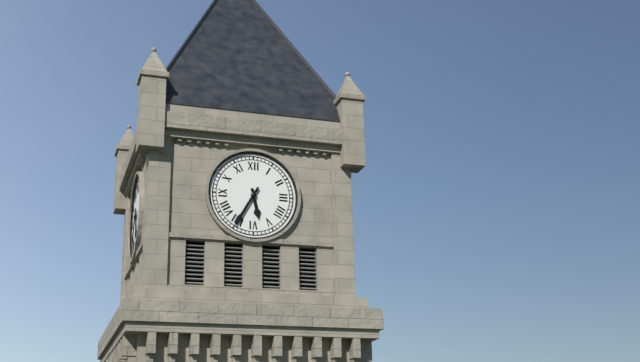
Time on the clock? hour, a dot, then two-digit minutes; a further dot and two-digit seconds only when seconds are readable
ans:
5.35
